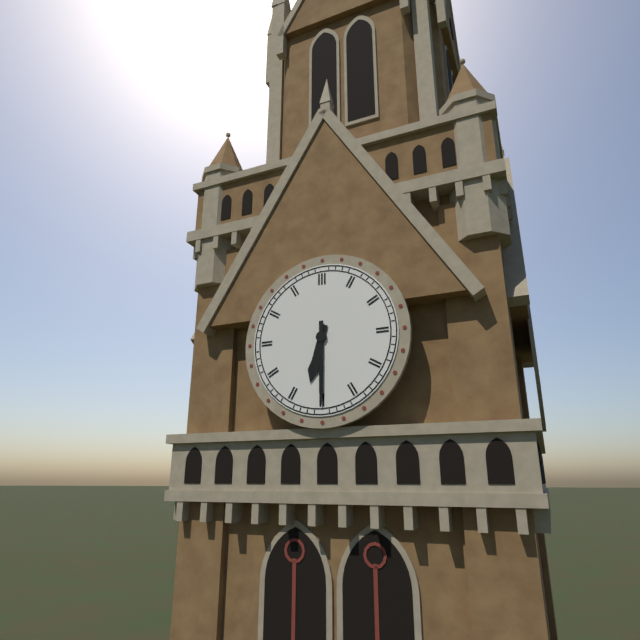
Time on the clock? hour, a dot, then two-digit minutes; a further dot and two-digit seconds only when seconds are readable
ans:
6.30
